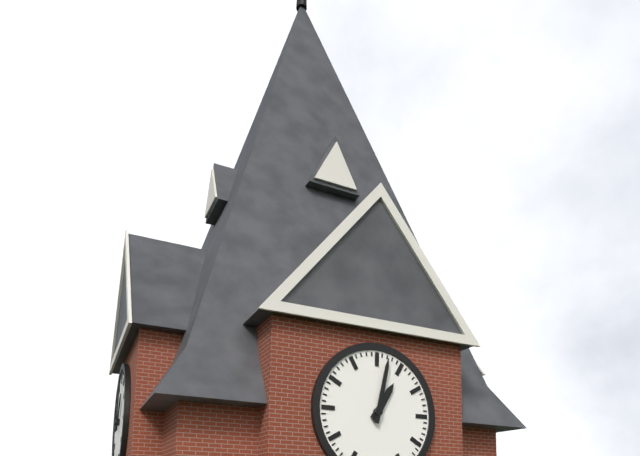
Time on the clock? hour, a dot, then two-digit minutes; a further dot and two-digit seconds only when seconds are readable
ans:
1.02
